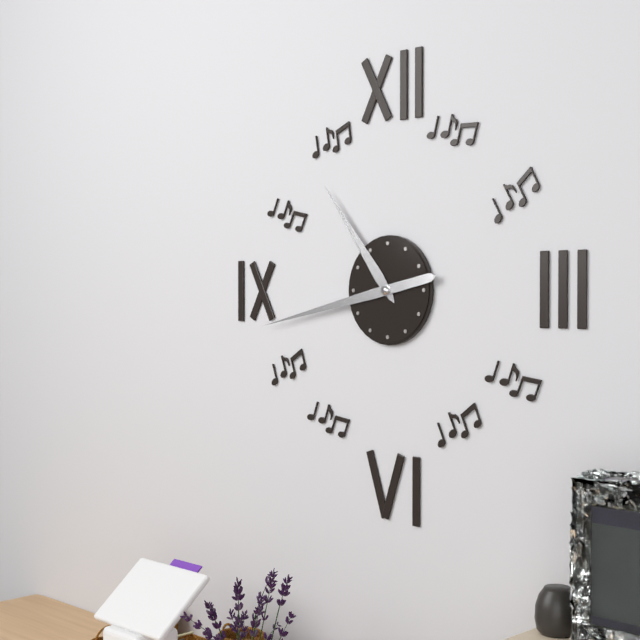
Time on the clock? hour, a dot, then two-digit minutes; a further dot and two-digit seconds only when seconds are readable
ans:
10.43
